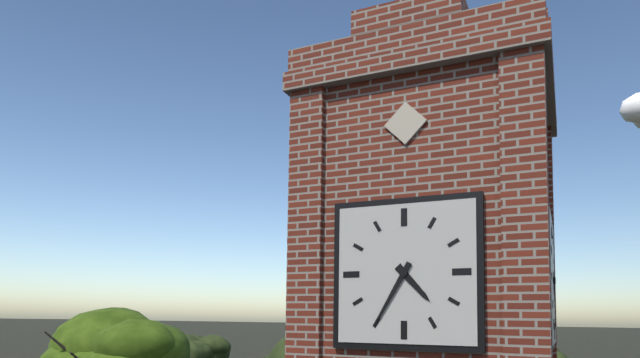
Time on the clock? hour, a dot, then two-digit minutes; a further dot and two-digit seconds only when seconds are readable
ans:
4.35
